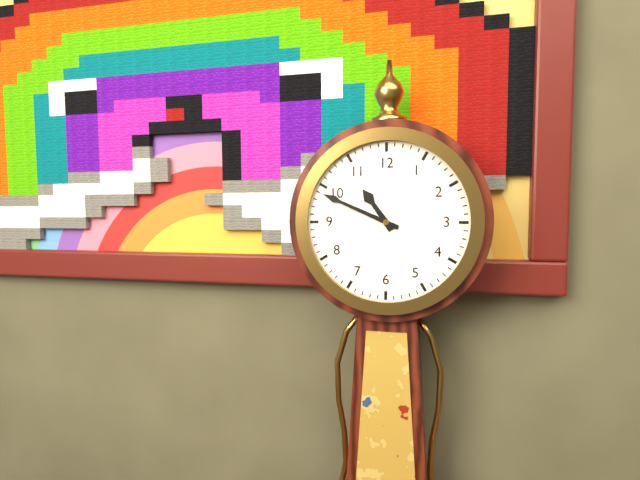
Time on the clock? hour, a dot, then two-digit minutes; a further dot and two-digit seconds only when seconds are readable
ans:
10.49
